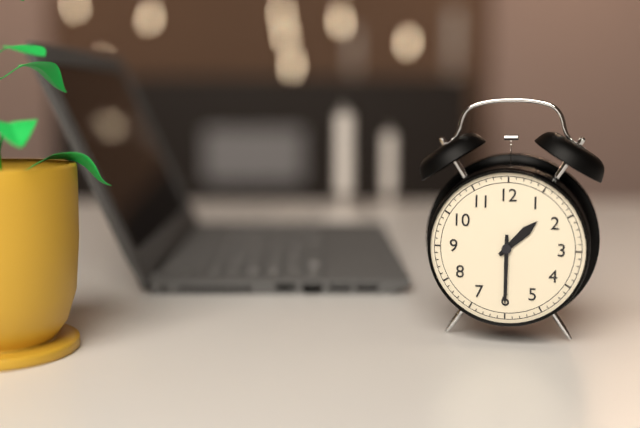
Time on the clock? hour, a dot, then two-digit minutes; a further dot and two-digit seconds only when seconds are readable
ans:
1.30
